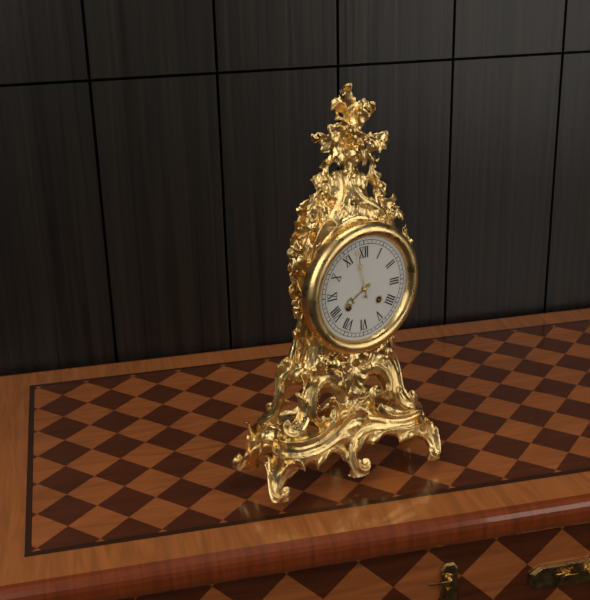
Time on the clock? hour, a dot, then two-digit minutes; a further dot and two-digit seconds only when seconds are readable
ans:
7.58
